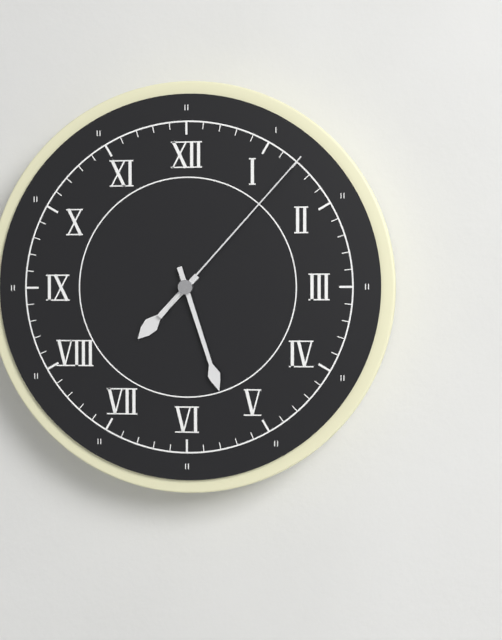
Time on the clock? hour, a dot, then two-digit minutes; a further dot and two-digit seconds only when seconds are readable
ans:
7.27.07
